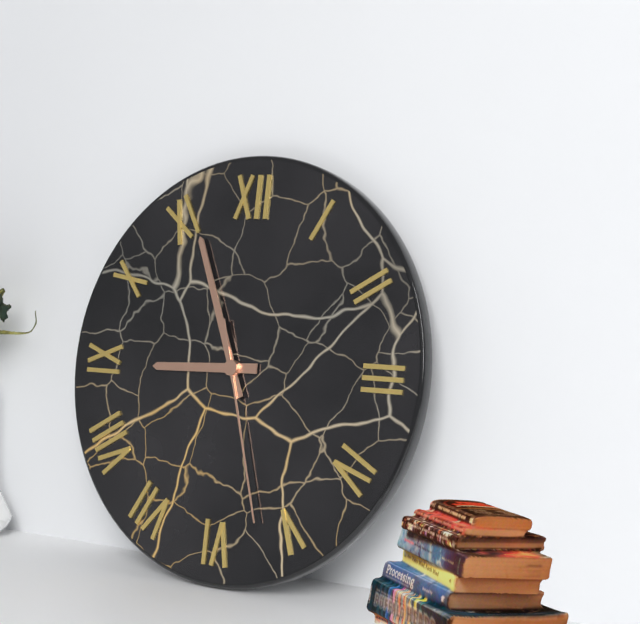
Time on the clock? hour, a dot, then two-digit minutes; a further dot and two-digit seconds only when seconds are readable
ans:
8.56.27
